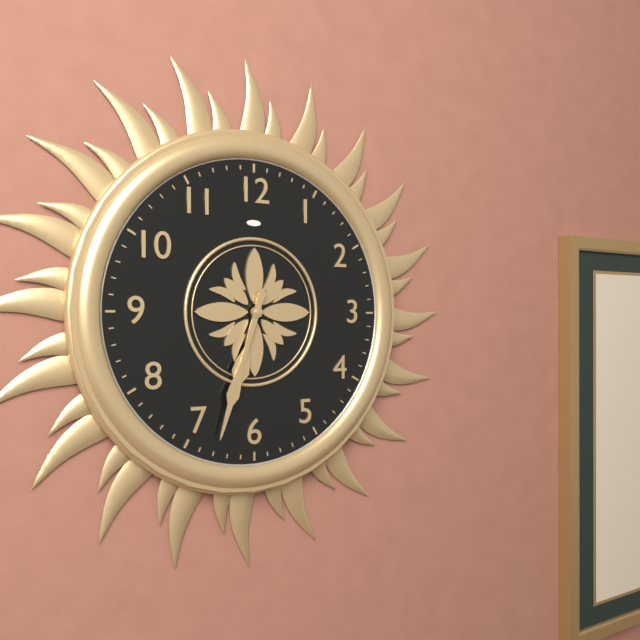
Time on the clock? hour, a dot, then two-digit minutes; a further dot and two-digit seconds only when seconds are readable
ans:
6.33
